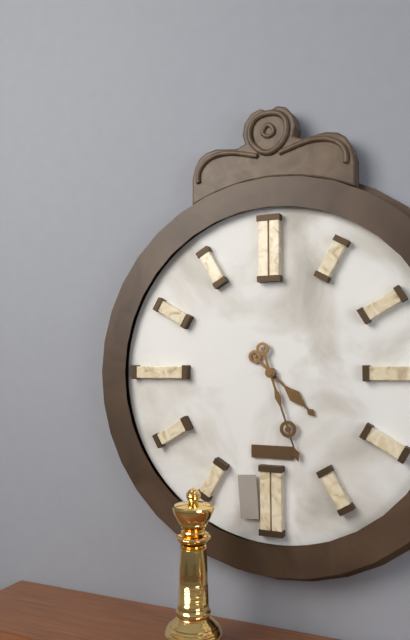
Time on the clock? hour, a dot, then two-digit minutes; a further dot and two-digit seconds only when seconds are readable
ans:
4.27
